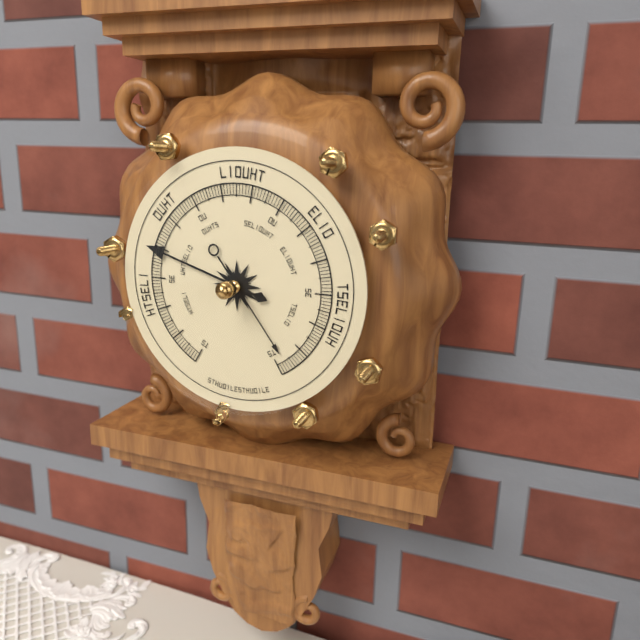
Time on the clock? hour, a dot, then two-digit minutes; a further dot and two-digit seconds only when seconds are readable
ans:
4.48
